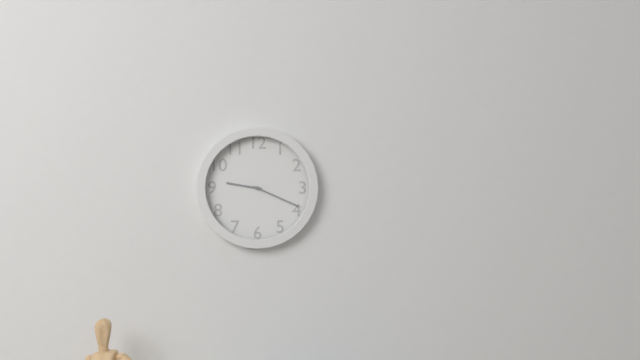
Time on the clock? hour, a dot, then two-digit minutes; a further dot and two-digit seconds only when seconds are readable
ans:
9.19
